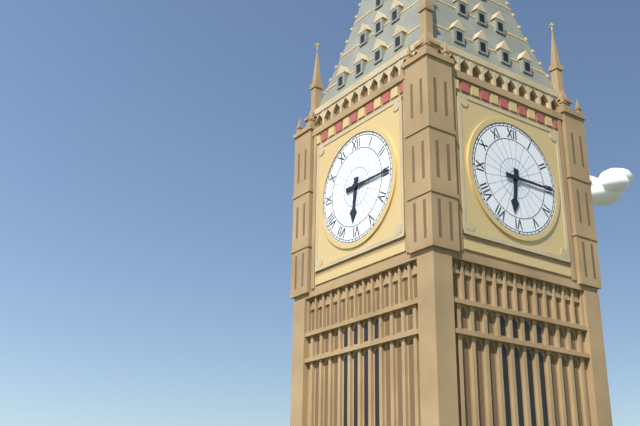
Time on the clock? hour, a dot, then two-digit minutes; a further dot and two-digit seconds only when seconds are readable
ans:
6.15
